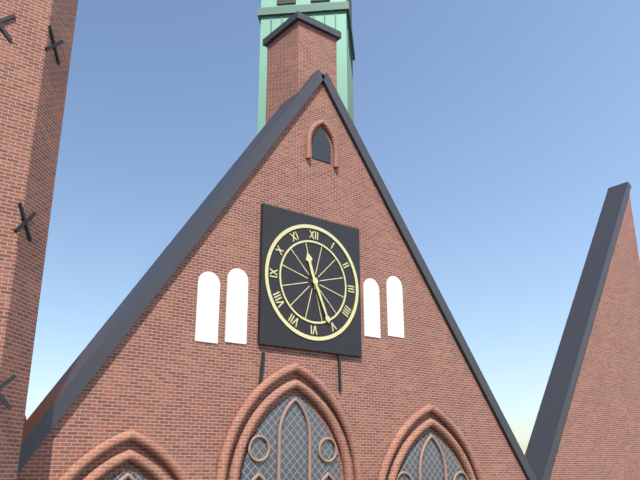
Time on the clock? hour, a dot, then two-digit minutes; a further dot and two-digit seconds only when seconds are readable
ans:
11.26
